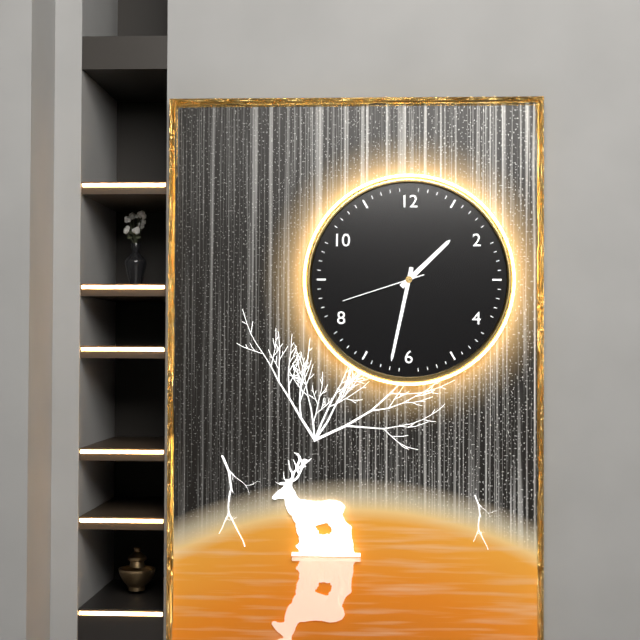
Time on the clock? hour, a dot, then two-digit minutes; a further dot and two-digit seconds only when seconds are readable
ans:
1.32.42
